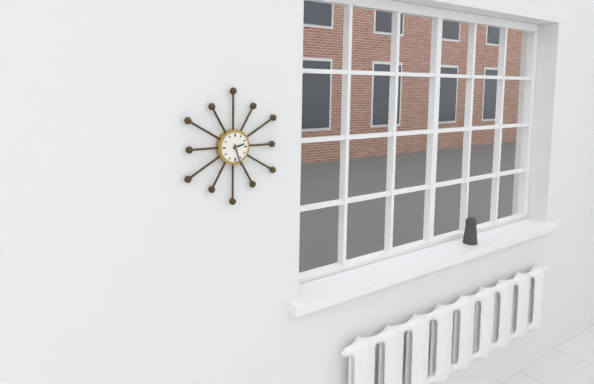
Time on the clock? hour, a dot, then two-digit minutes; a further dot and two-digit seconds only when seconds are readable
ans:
2.27
